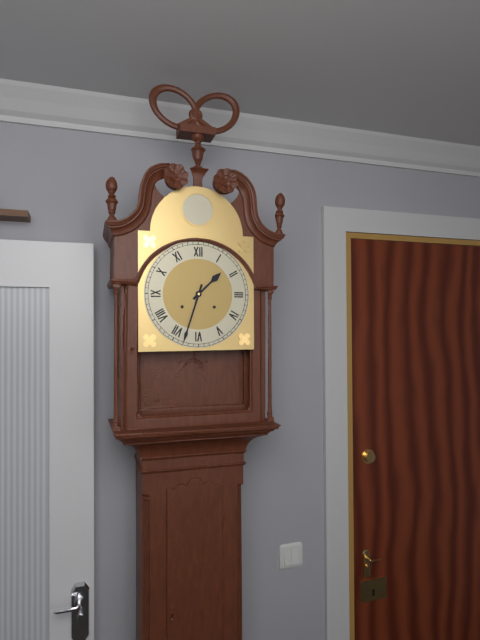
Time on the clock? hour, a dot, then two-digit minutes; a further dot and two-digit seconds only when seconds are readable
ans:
1.33
